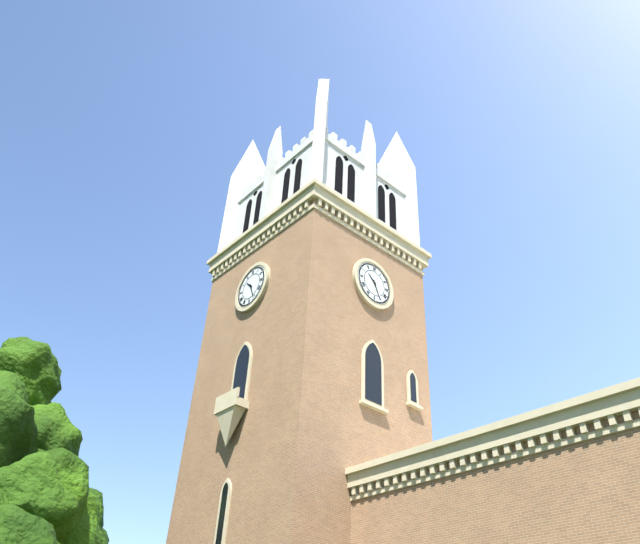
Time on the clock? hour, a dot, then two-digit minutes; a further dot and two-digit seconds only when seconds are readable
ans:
10.26
